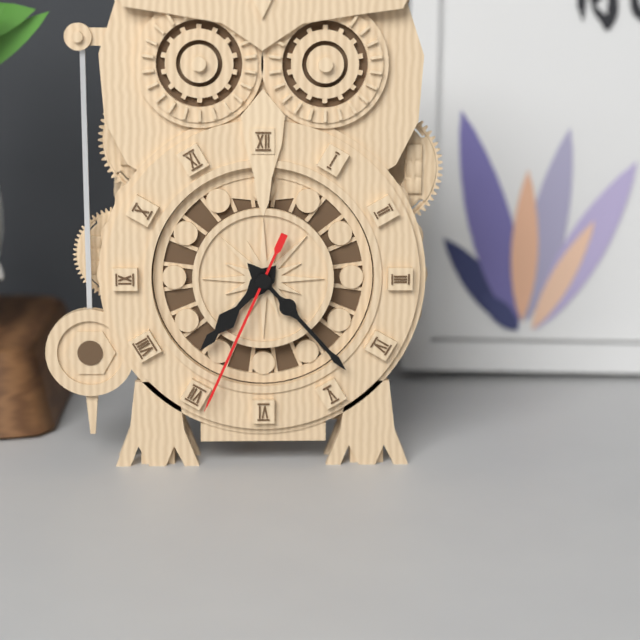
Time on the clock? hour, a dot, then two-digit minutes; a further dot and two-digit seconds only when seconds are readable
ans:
7.23.34
